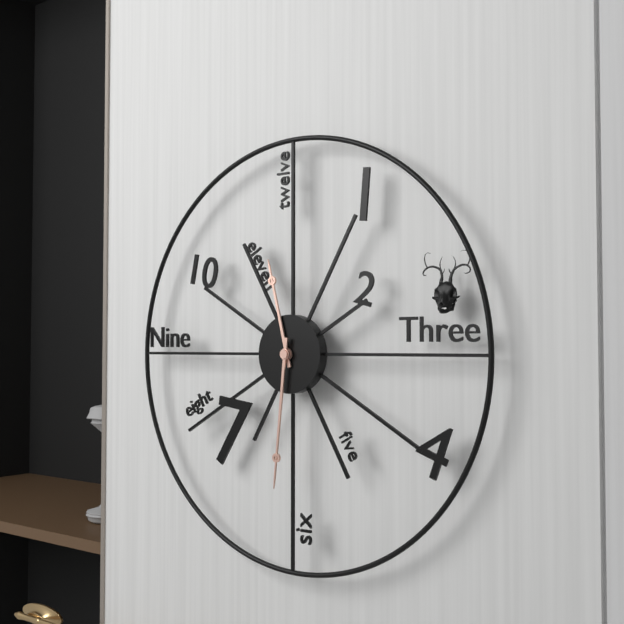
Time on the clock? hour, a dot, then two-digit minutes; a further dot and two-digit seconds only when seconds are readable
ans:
11.31
